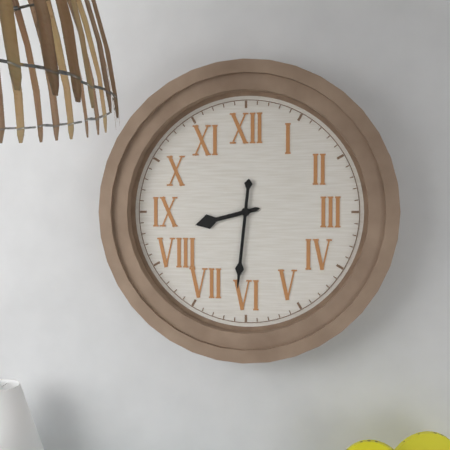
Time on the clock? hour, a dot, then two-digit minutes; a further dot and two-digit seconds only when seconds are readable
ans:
8.31
